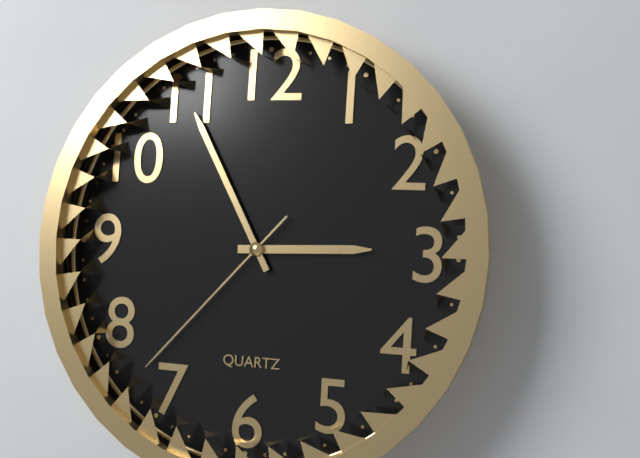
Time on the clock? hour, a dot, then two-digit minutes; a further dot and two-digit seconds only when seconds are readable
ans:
2.55.37
